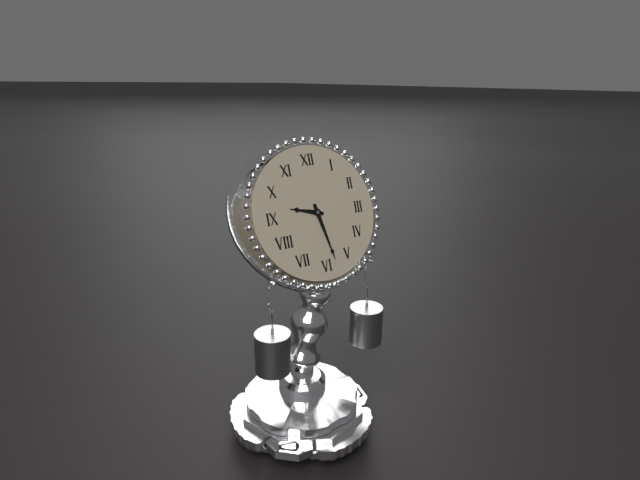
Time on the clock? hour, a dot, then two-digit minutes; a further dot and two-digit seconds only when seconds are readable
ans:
9.28
